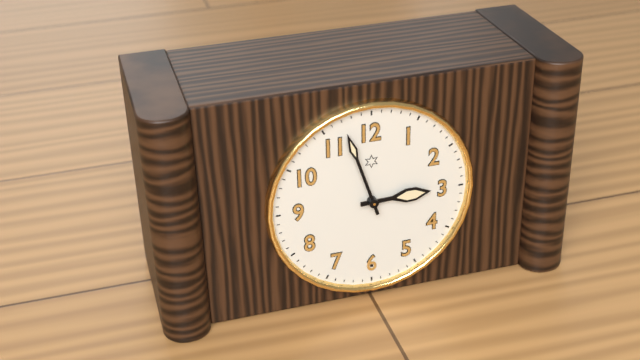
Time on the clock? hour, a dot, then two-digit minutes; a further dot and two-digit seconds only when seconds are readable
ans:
2.57
